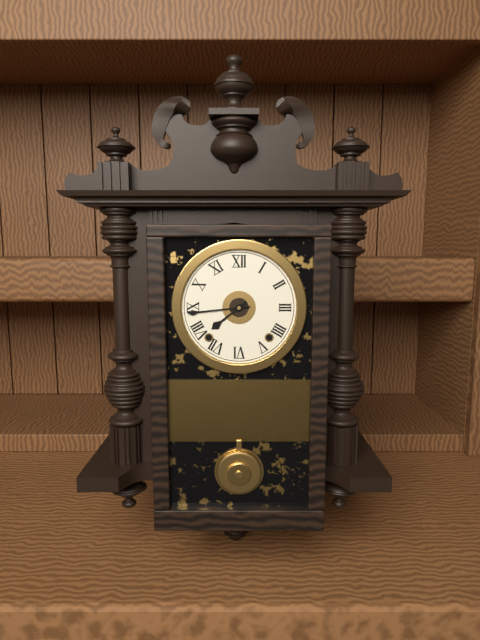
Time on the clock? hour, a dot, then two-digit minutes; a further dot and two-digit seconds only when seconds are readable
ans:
7.44
